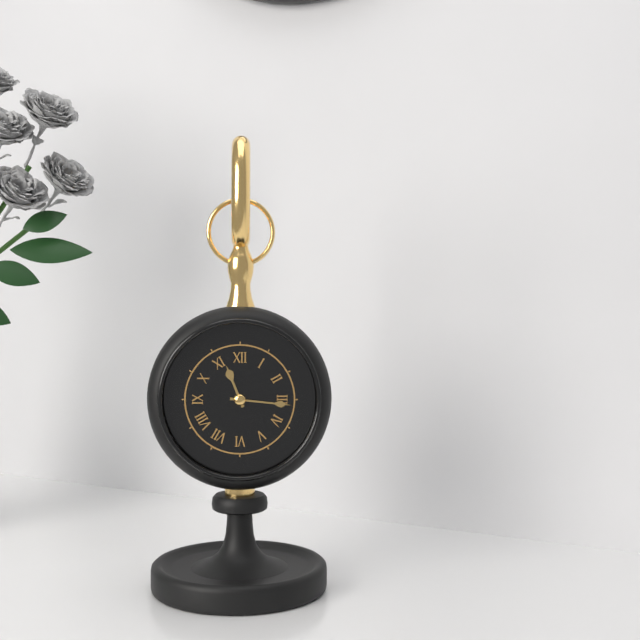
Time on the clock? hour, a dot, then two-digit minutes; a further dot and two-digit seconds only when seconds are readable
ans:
11.16
